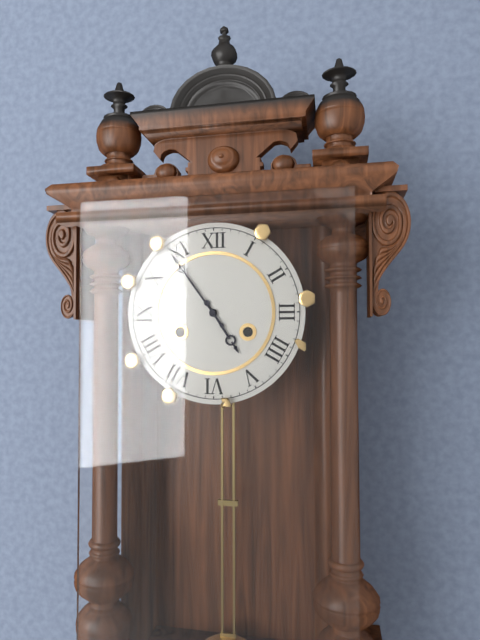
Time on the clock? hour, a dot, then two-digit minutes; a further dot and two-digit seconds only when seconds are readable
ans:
4.54
